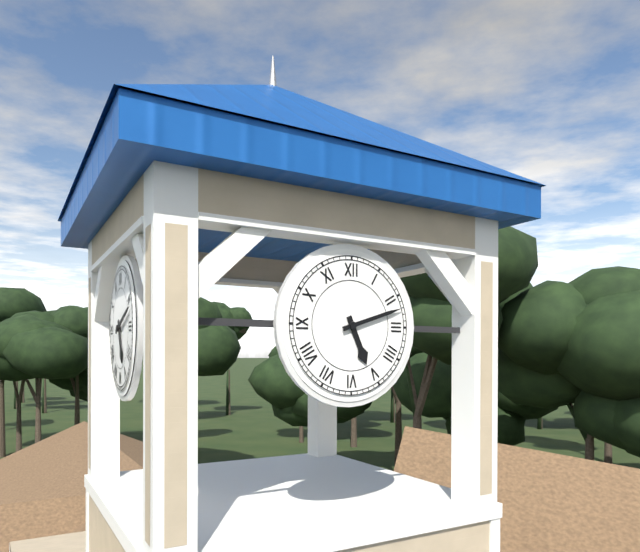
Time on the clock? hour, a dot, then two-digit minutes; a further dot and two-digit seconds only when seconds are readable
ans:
5.12
